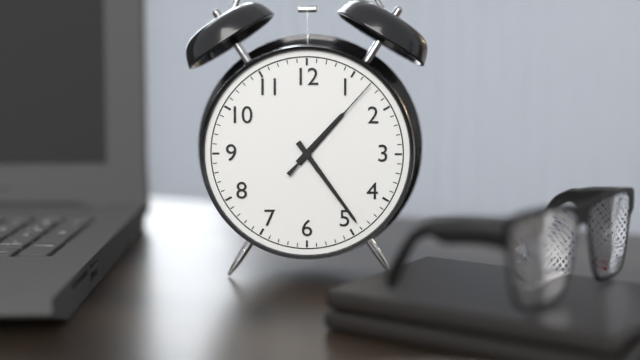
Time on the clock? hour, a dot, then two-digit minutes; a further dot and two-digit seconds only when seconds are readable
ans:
1.24.07
